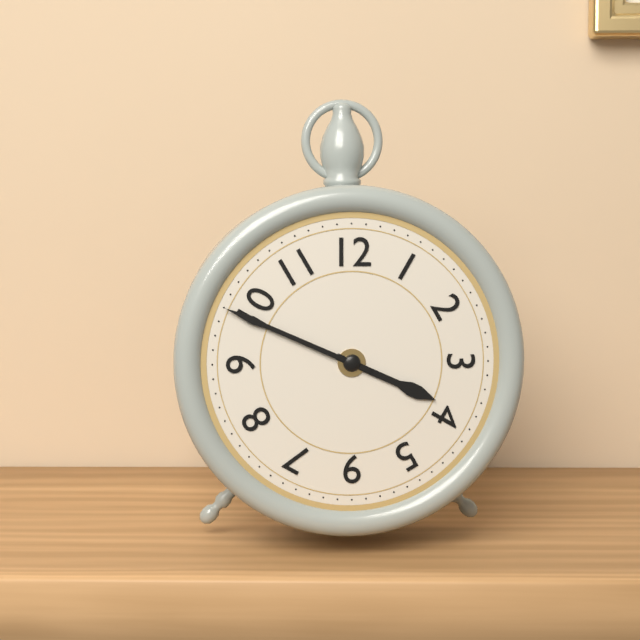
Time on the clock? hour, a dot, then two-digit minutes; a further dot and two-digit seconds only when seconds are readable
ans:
3.49
